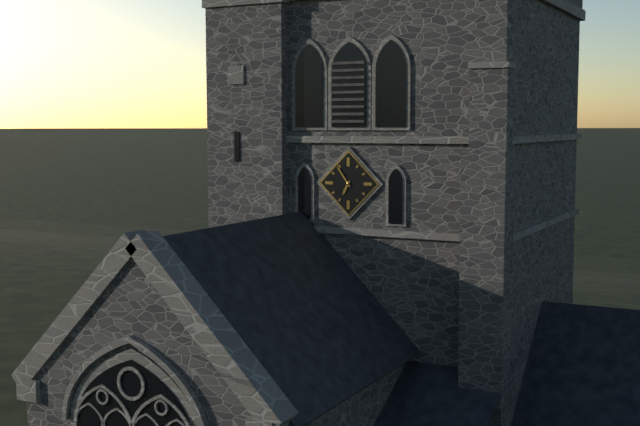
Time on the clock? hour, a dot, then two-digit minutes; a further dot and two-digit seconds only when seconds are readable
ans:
6.54
